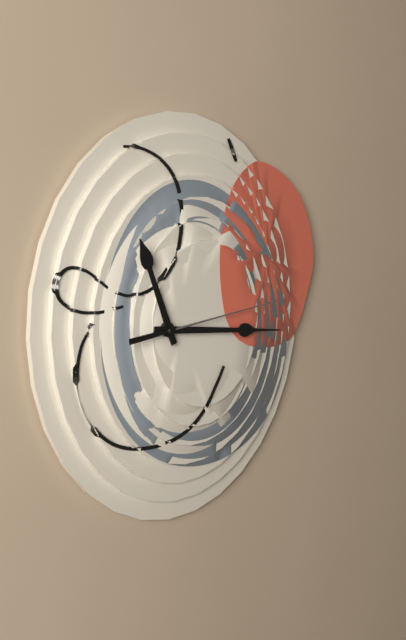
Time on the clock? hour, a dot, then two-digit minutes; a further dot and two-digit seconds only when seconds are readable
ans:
11.16.14
